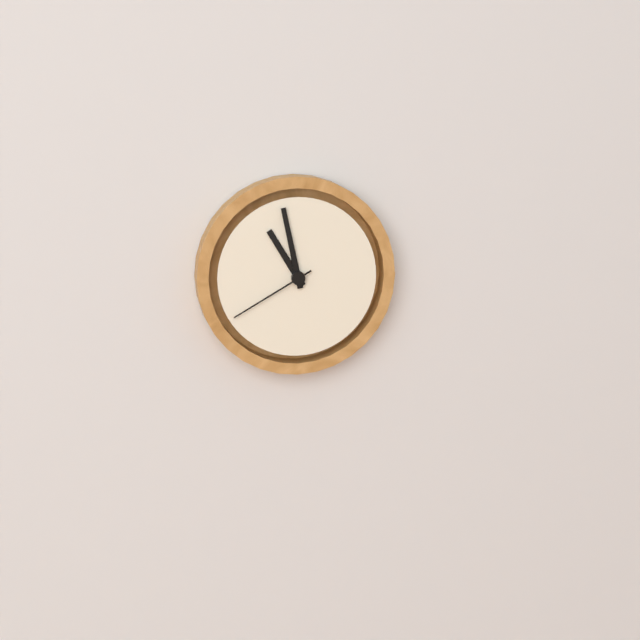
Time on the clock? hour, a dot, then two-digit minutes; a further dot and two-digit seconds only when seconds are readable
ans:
10.58.40
